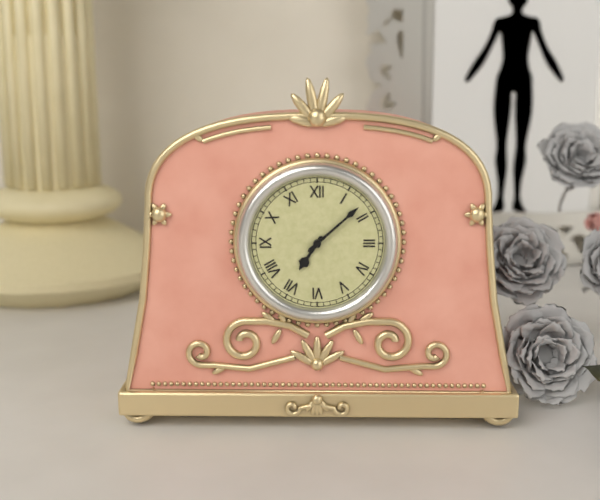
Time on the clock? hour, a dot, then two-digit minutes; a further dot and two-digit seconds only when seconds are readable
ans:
7.08
